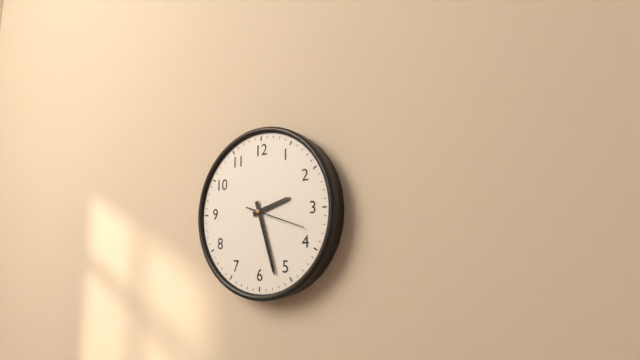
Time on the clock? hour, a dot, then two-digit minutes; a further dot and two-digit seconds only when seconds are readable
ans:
2.27.18
